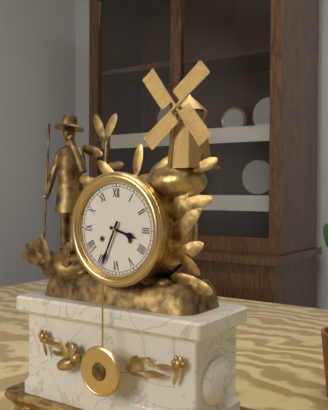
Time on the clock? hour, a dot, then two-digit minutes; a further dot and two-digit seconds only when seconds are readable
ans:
3.34
